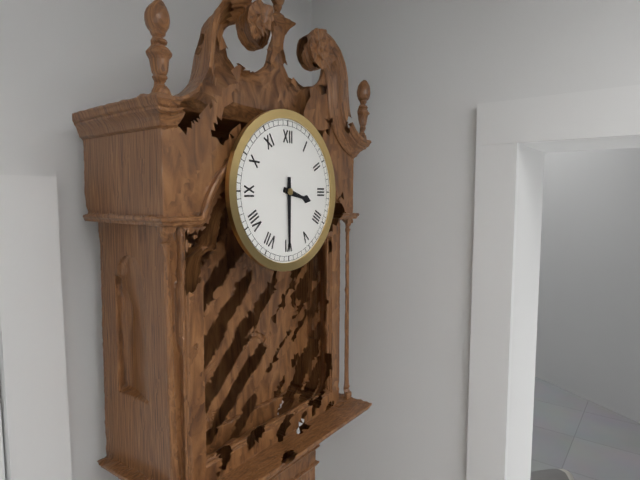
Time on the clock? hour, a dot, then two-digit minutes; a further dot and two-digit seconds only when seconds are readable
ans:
3.30
